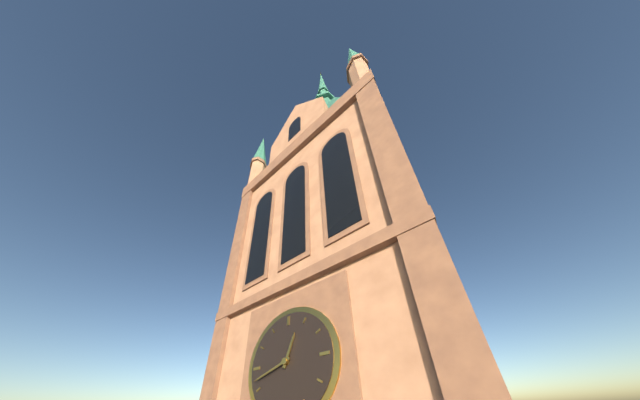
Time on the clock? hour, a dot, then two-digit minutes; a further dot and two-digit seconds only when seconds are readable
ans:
12.42
